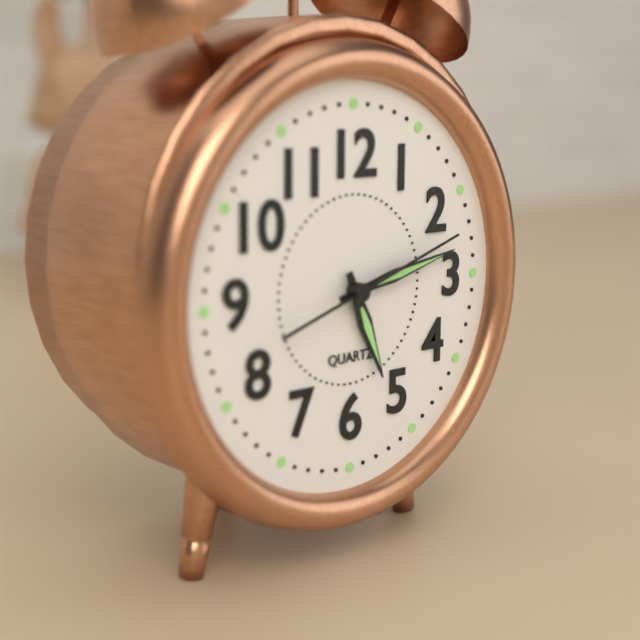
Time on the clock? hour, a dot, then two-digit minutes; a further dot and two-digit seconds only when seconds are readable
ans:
5.13.12
